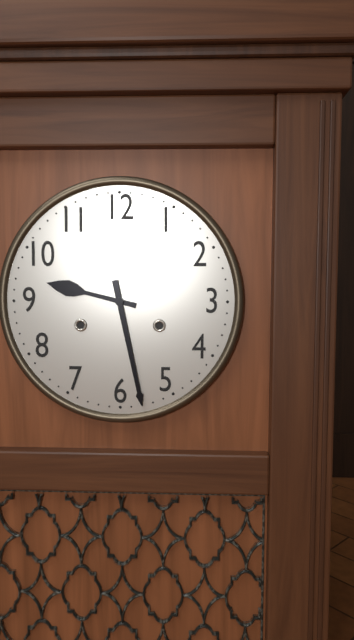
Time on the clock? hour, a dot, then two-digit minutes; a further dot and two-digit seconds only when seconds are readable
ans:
9.28
